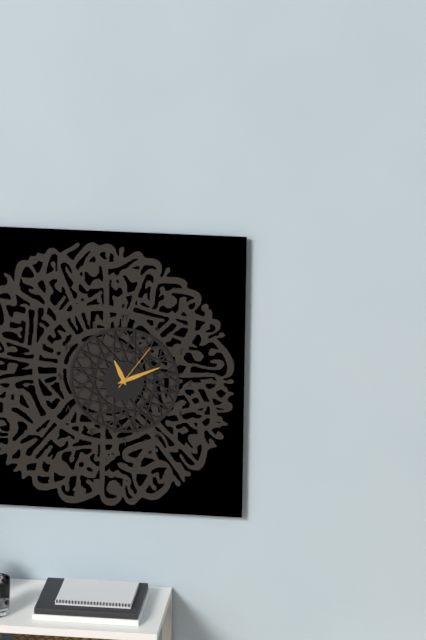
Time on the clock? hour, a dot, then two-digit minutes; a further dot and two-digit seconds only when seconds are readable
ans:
11.11.06
